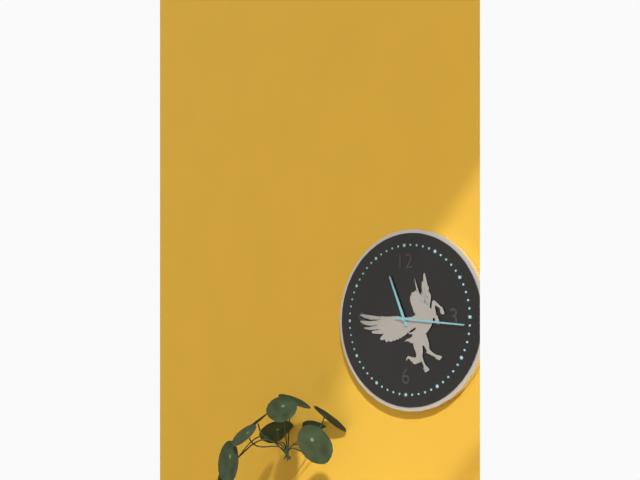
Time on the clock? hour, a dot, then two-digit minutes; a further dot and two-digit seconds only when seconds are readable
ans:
11.16
